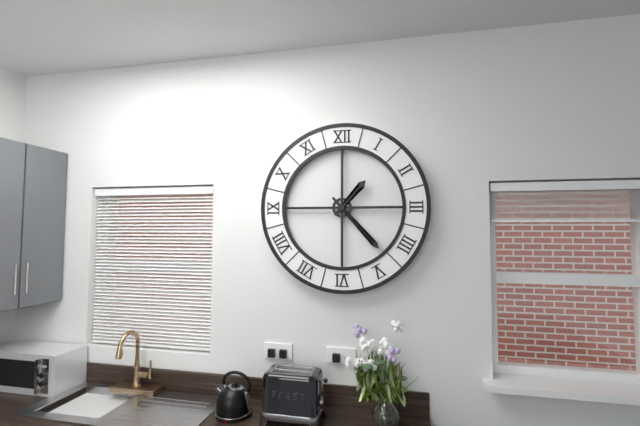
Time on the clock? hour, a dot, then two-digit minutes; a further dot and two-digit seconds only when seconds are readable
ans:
1.23
